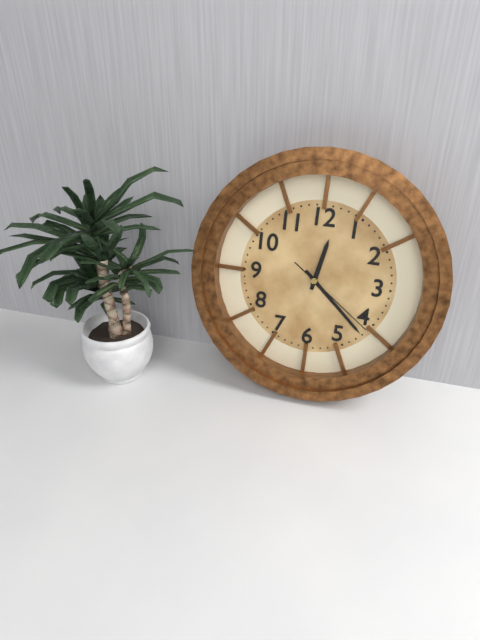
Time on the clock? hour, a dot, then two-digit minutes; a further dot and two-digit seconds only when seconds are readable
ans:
12.22.21
